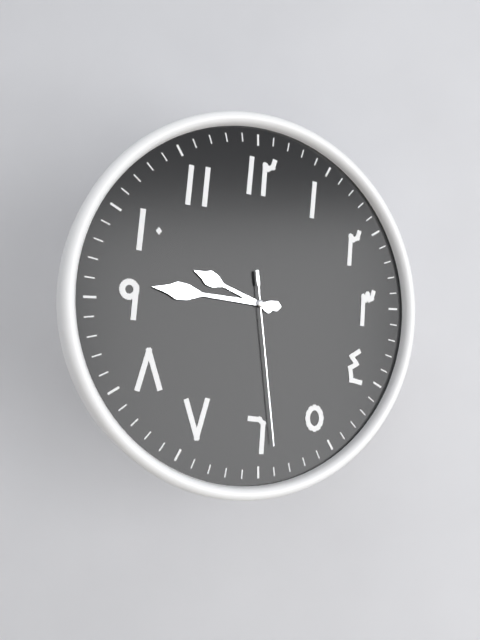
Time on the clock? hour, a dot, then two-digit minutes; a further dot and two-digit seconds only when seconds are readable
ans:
9.46.29
